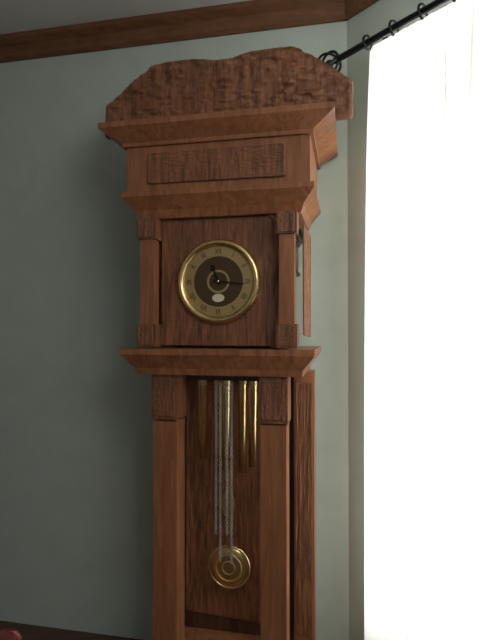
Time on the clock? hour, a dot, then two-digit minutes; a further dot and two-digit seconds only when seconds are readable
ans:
11.16
